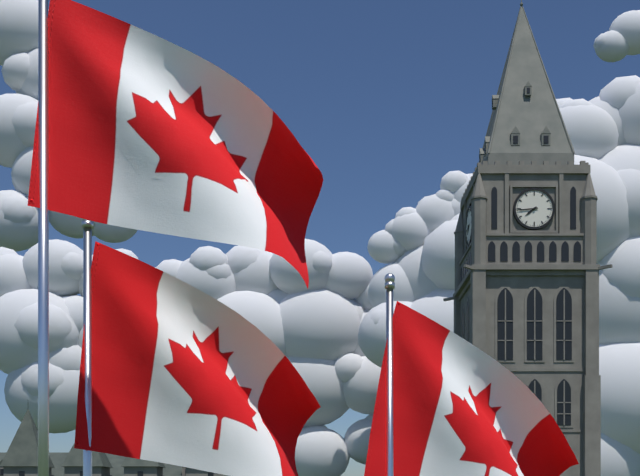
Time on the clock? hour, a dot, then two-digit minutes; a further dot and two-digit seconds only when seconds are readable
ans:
7.44
